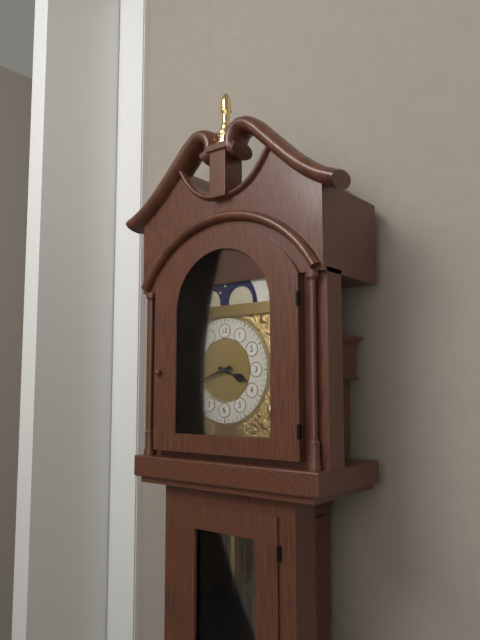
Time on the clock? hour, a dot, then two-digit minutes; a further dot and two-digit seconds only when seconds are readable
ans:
3.42
